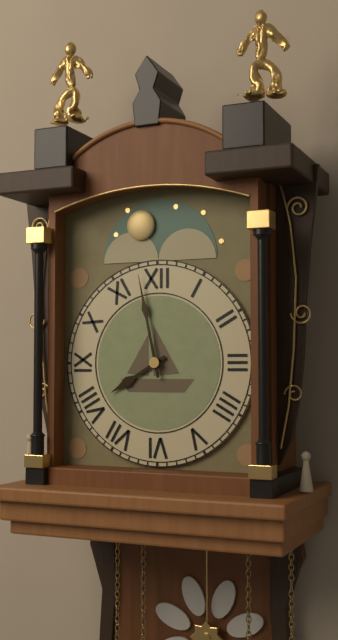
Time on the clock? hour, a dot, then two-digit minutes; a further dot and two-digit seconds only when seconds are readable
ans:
7.58
